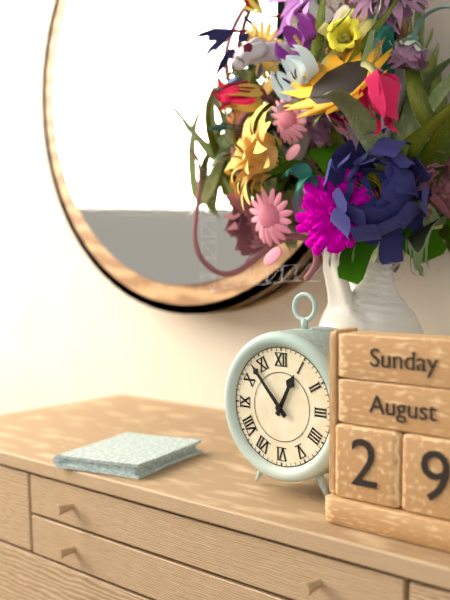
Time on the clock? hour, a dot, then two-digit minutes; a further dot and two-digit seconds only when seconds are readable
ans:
12.53
